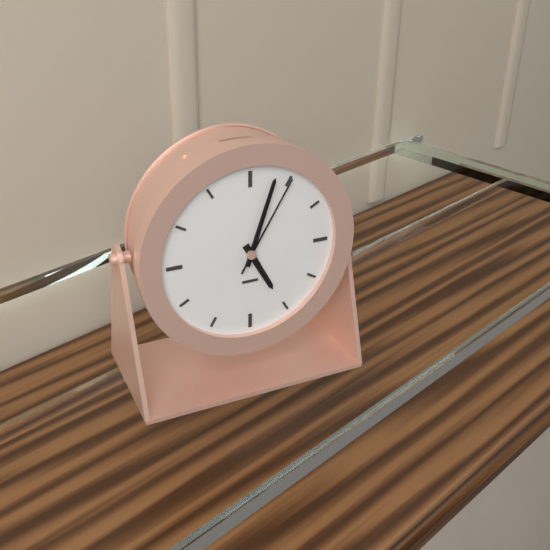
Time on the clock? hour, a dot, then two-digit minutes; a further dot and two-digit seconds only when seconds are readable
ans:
5.03.05
